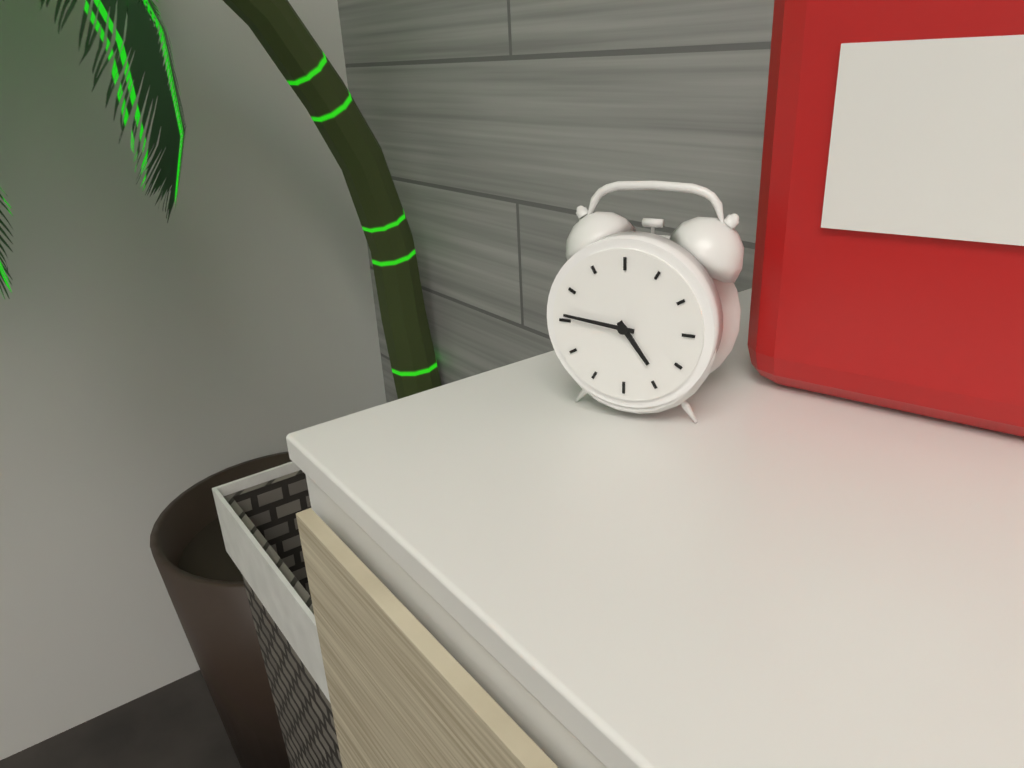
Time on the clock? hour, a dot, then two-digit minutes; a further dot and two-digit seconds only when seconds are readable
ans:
4.46
